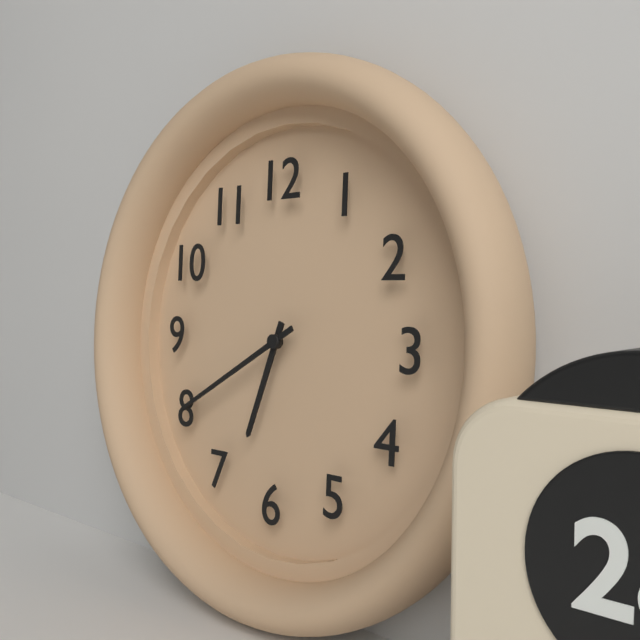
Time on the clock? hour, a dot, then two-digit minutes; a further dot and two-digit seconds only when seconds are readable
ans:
6.40
